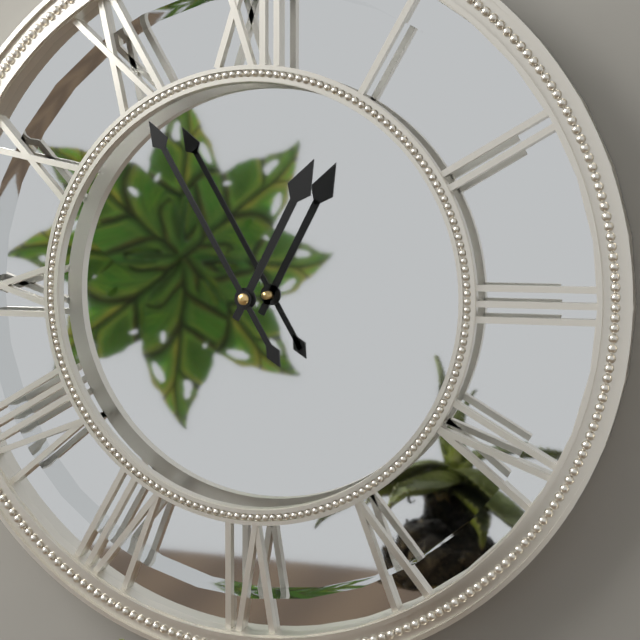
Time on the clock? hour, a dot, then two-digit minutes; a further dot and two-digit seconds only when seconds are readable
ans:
12.55
